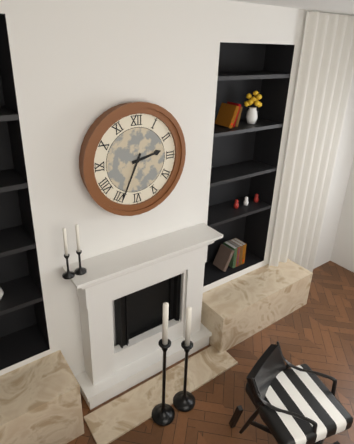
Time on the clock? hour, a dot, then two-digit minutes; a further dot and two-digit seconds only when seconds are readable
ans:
2.34
